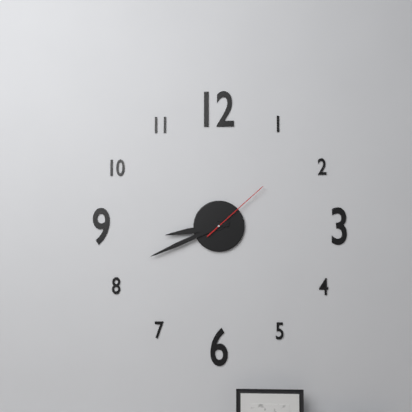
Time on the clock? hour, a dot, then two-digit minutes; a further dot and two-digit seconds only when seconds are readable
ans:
8.41.08
